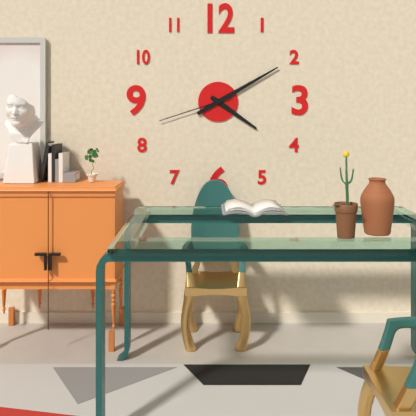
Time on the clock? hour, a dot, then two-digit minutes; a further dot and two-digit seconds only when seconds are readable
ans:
4.10.42
